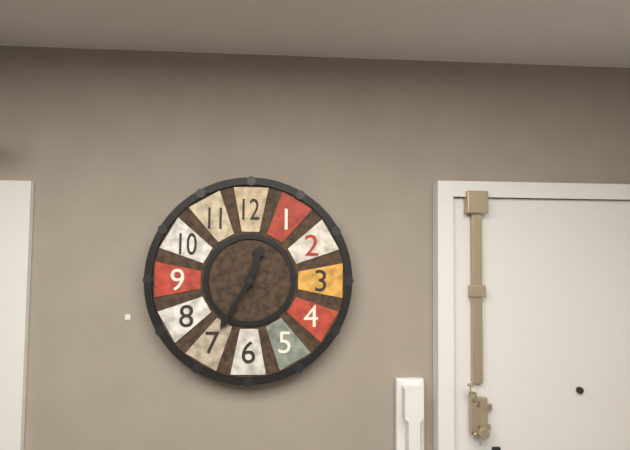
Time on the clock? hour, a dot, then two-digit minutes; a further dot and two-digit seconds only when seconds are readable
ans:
12.35
